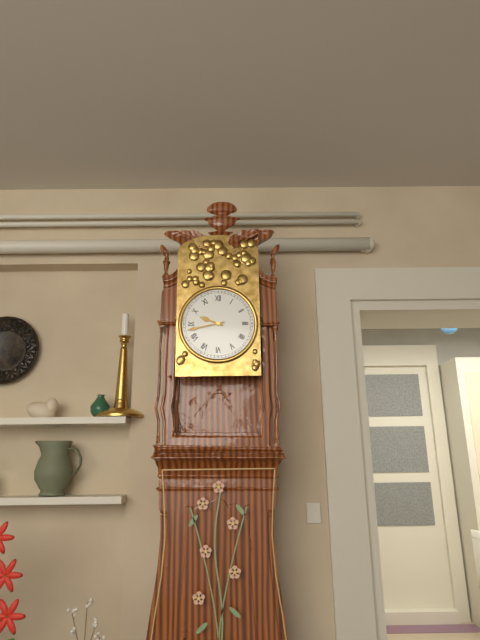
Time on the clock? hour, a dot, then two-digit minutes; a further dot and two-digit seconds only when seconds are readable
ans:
9.43
